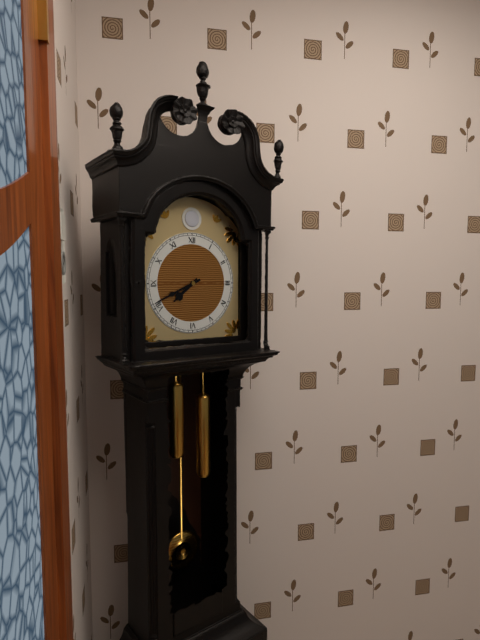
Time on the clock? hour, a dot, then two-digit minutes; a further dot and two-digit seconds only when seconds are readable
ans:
7.41
